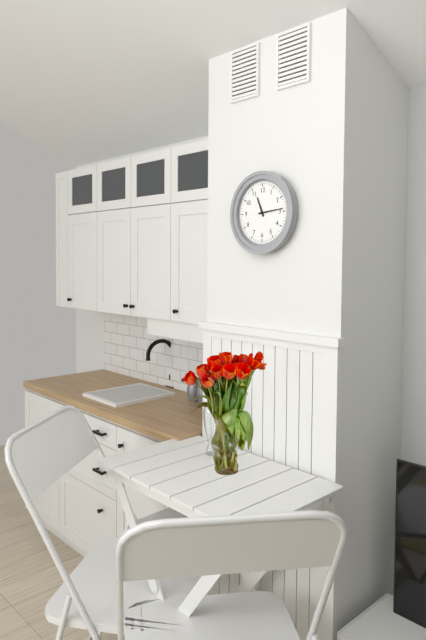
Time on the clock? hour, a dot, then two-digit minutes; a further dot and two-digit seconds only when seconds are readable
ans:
11.14
